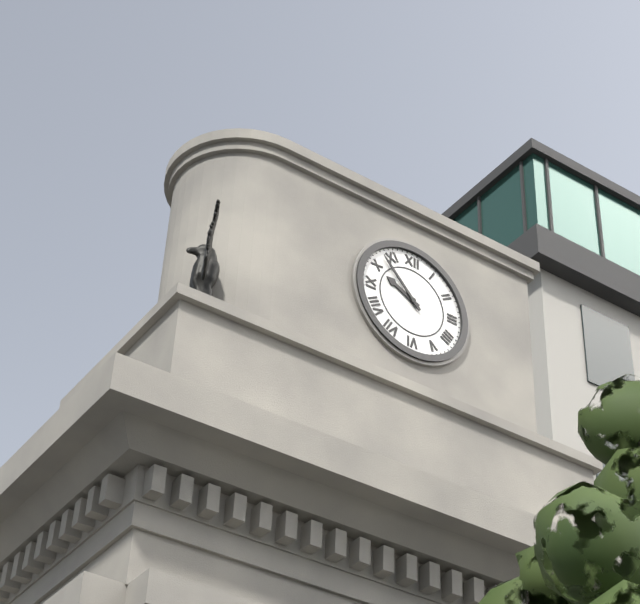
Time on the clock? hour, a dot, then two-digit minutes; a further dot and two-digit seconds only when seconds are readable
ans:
9.53
